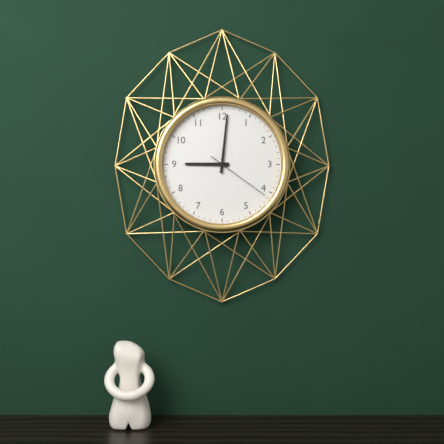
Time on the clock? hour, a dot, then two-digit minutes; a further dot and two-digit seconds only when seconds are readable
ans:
9.01.21
